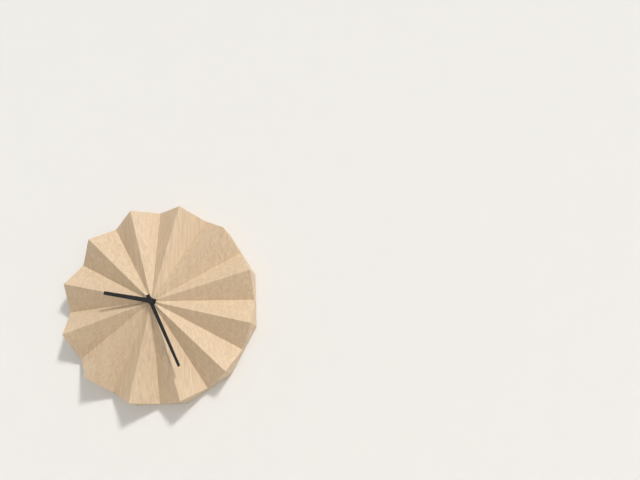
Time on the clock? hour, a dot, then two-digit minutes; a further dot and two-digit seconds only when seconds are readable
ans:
9.26
